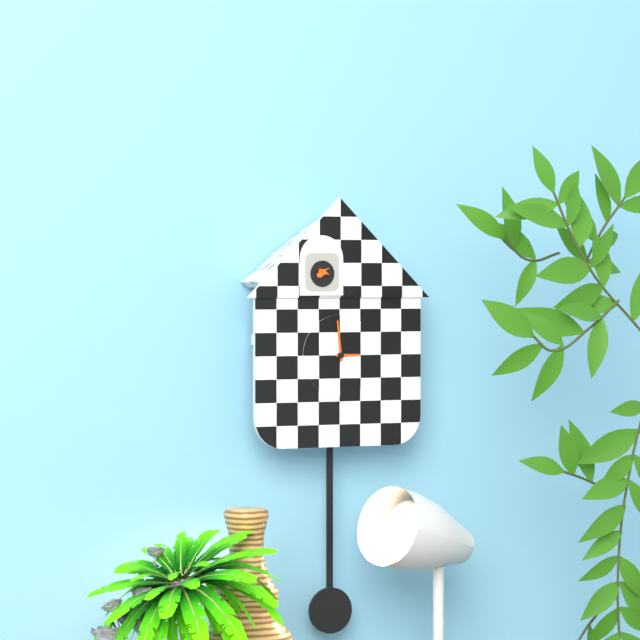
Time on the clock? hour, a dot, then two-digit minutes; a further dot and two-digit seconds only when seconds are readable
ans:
2.59
